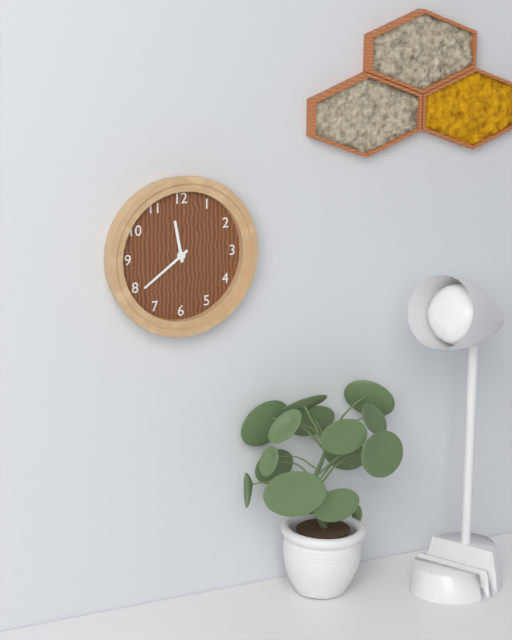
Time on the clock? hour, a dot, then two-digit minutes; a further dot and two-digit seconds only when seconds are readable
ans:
11.39
